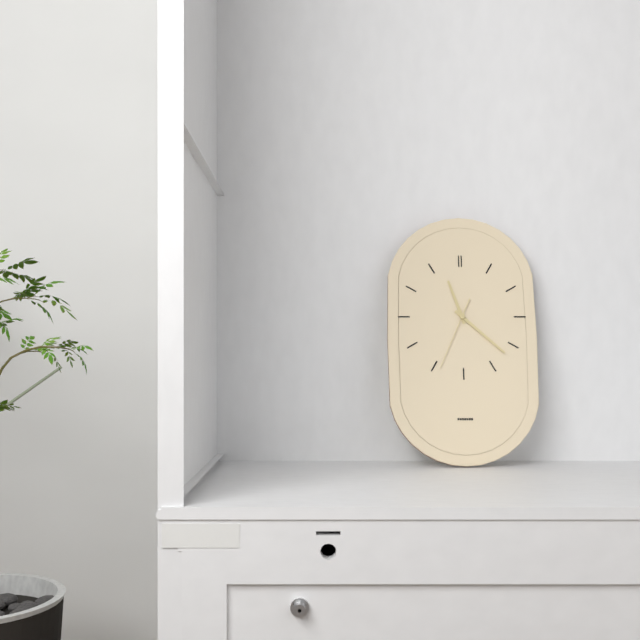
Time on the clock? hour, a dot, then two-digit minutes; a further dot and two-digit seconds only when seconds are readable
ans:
11.22.34
